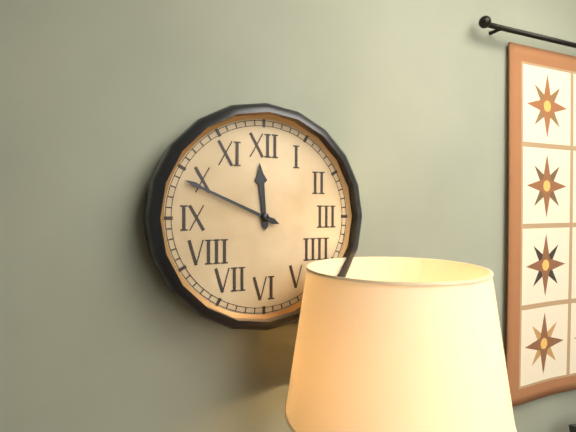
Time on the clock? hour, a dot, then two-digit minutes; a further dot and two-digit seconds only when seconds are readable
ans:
11.49
